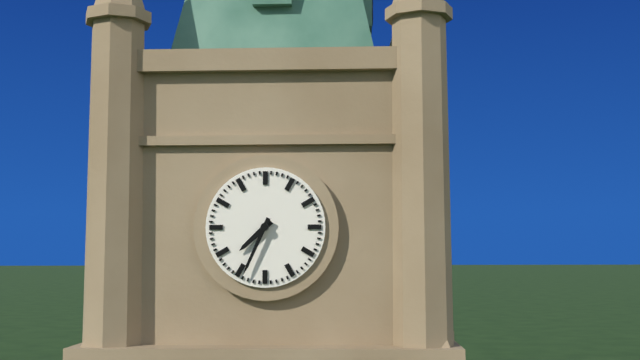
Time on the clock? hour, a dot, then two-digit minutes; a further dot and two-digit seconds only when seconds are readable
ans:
7.34
